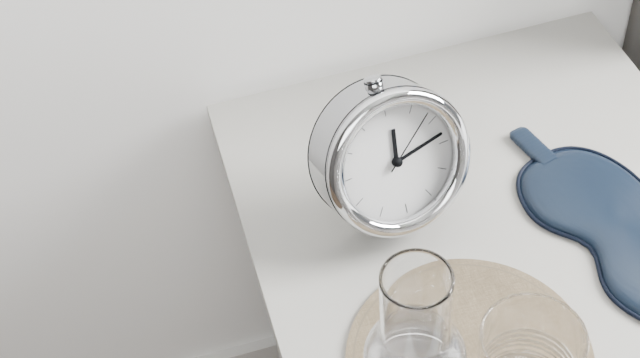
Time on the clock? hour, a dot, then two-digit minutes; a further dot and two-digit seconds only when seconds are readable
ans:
12.13.08
